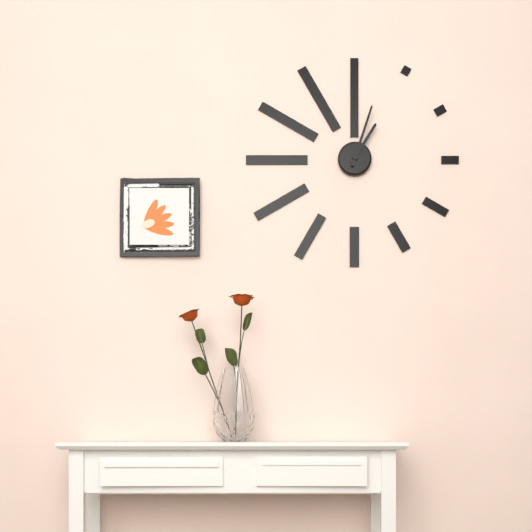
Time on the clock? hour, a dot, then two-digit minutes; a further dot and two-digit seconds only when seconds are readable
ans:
1.03
